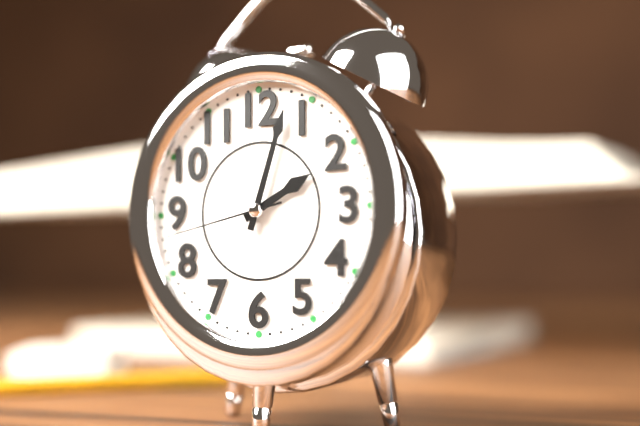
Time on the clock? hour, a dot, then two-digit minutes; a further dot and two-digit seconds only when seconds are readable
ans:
2.03.43
